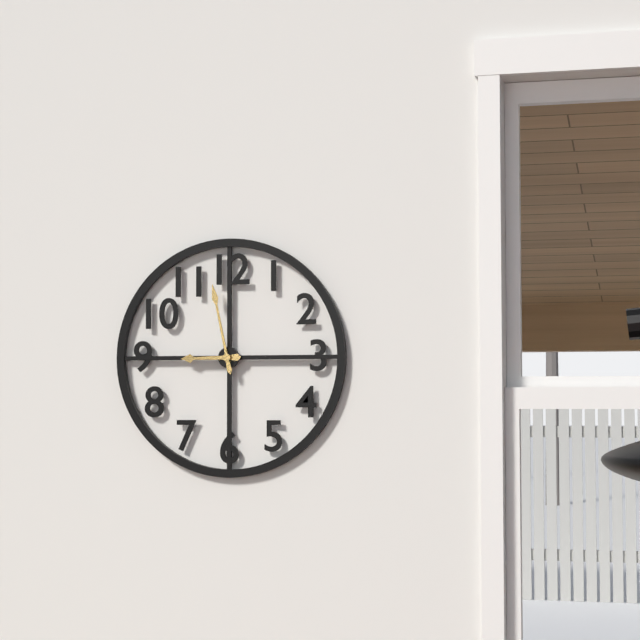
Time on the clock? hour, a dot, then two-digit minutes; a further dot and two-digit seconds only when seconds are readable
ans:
8.58
